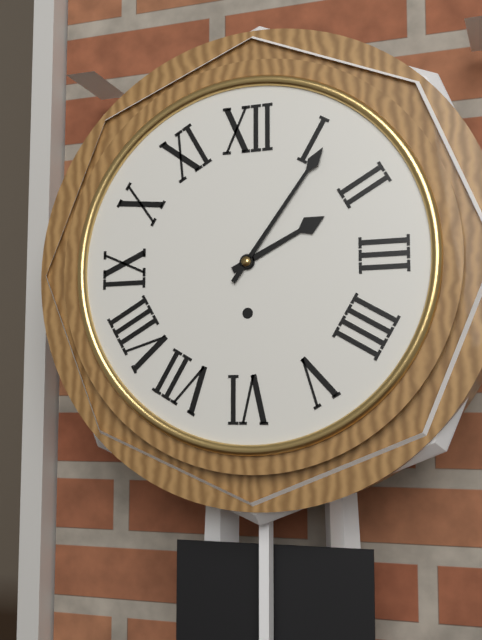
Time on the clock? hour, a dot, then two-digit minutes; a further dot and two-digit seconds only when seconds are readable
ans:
2.06
